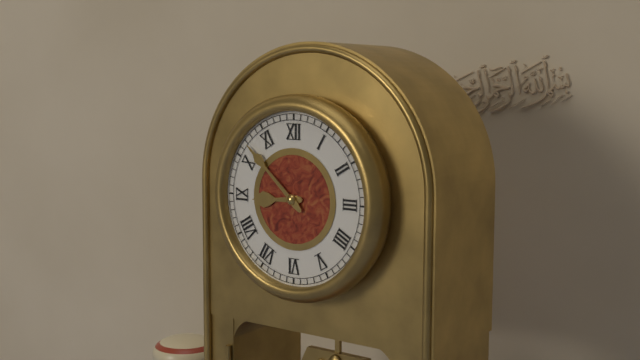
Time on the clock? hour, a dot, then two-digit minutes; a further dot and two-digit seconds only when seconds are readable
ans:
8.52
